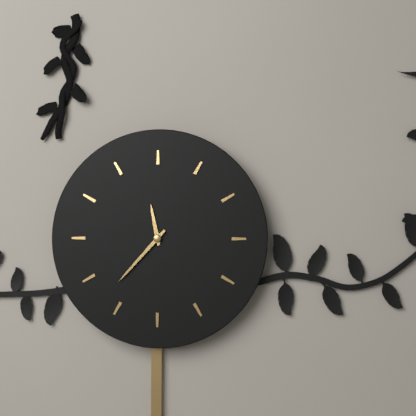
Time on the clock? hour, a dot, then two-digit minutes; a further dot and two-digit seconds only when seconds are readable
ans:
11.37
